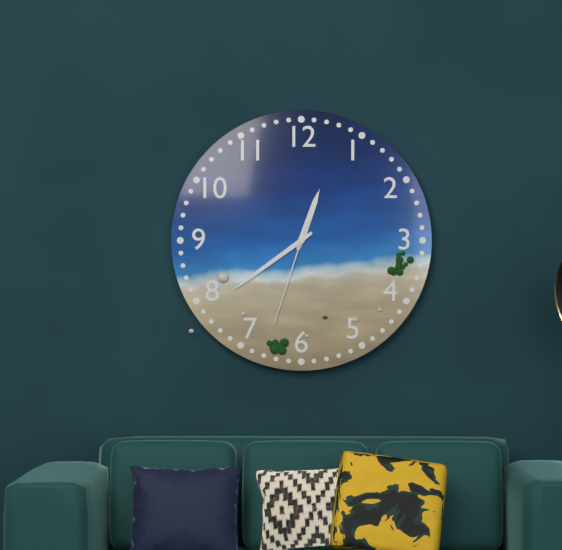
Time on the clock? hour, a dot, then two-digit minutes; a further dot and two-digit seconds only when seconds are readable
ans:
12.39.33
